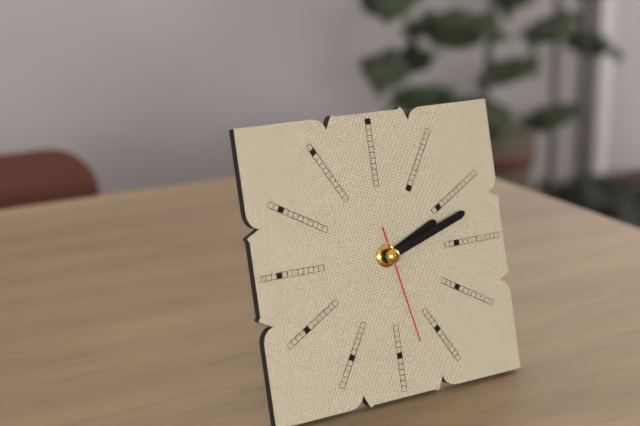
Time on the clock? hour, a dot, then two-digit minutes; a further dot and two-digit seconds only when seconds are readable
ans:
2.12.28
